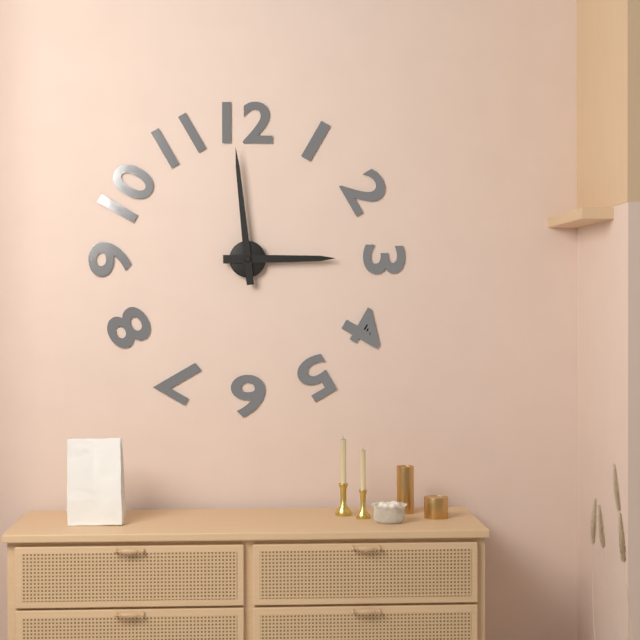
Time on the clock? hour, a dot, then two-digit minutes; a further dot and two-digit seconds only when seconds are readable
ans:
2.59
